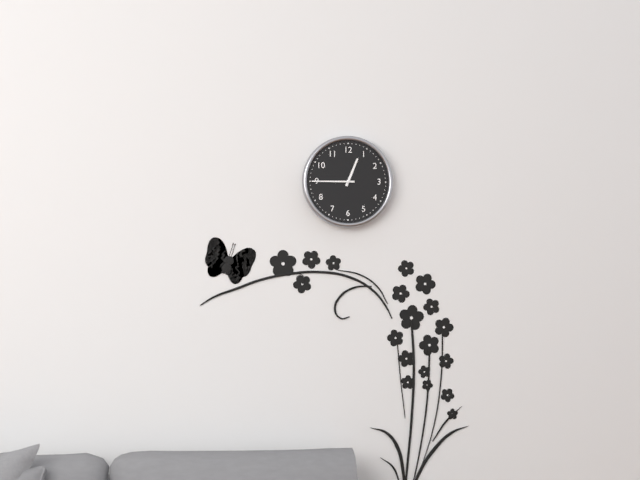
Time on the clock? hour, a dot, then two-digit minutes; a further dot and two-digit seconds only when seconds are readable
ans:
12.45
